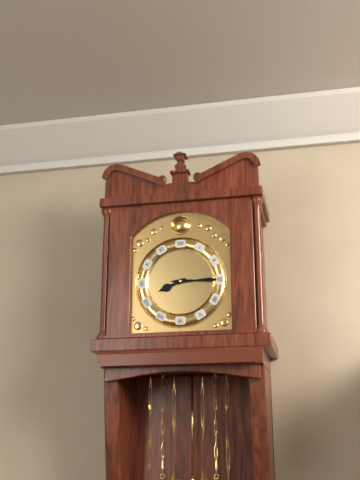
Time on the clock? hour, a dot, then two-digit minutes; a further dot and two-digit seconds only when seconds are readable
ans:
8.15
